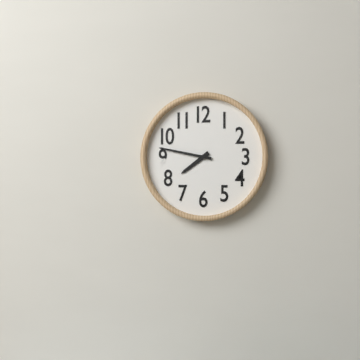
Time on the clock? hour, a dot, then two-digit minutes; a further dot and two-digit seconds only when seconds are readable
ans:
7.47
